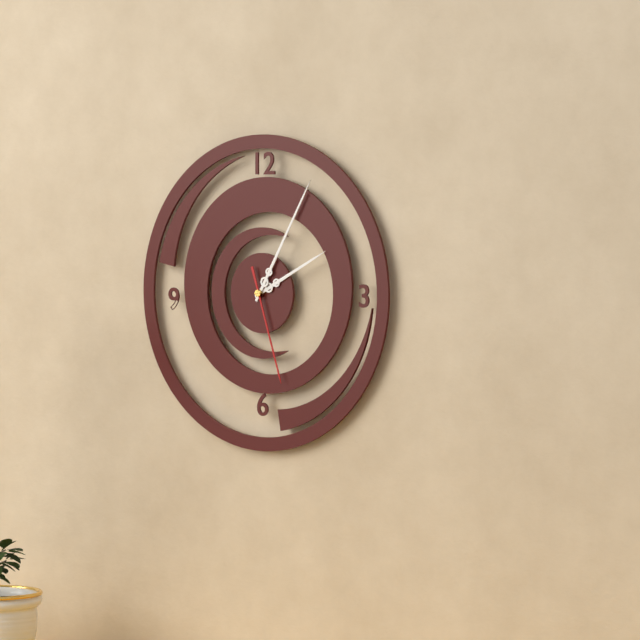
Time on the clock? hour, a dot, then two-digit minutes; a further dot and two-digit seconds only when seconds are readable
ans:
2.05.27
